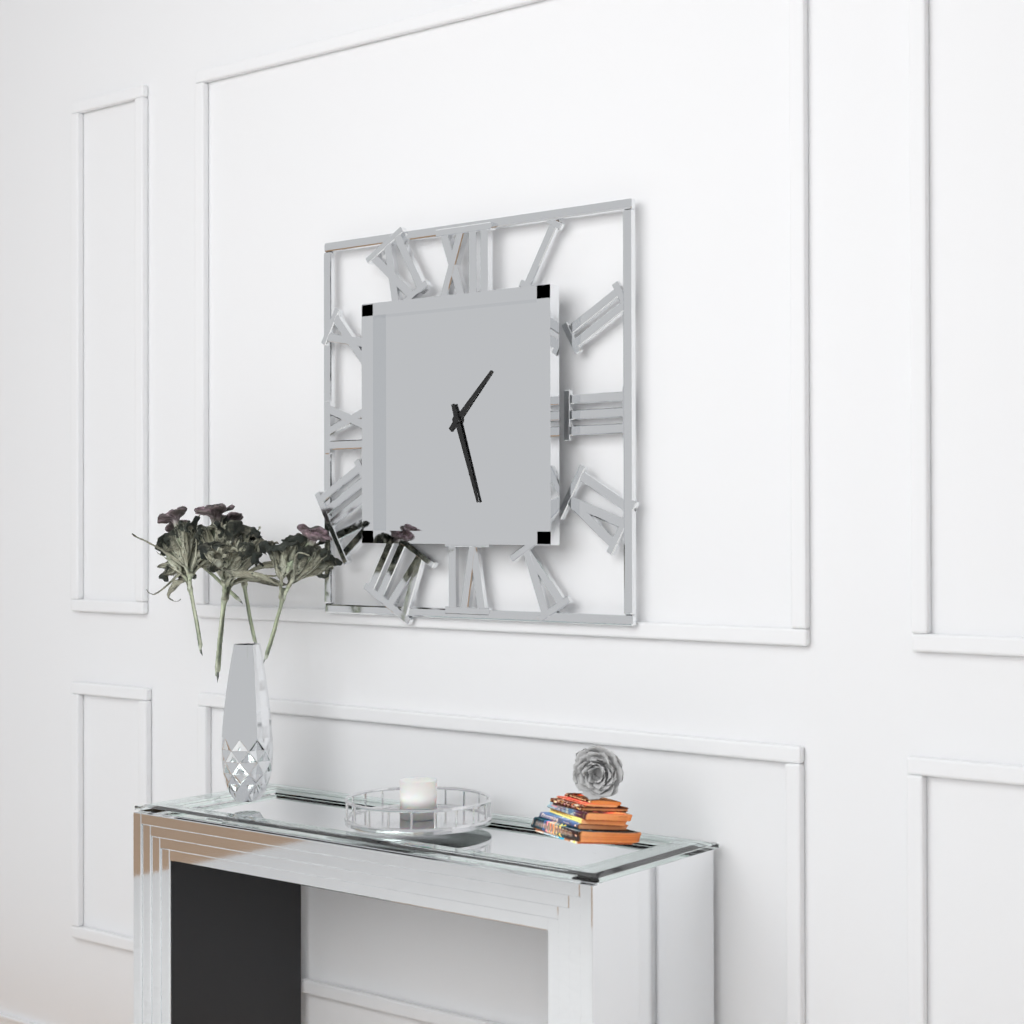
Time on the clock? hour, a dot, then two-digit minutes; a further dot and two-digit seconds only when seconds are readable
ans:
1.27
